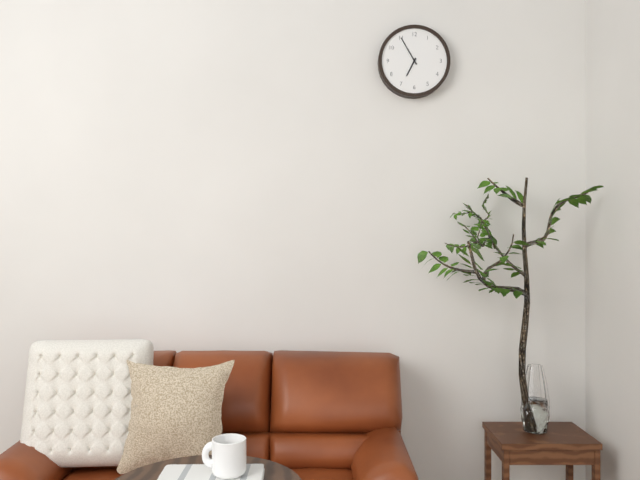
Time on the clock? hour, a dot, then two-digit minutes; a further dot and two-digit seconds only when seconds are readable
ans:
6.55
